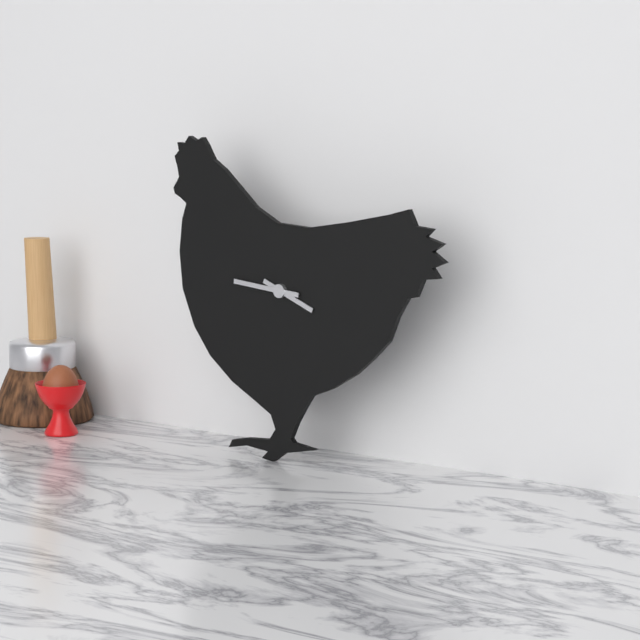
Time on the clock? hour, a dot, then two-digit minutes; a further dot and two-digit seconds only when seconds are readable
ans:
3.46
